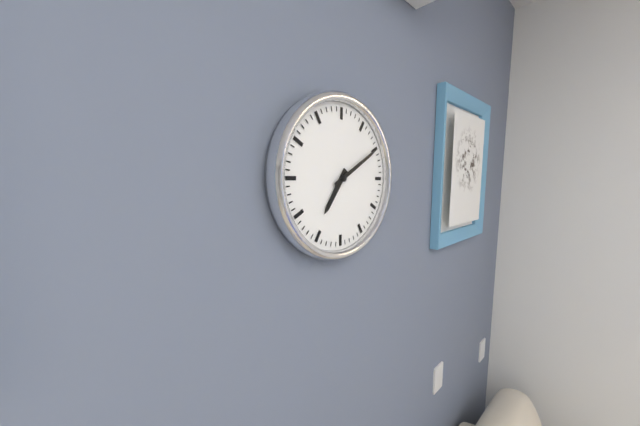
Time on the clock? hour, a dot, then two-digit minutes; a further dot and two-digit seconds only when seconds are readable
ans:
7.10
